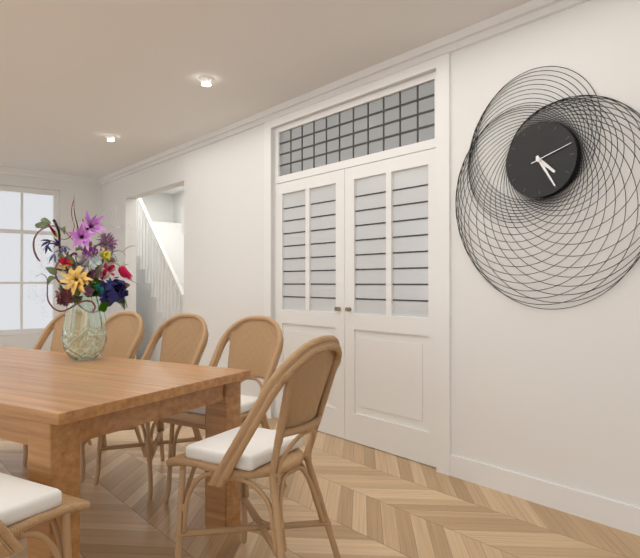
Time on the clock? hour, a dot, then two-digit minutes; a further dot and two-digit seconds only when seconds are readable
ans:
4.25
